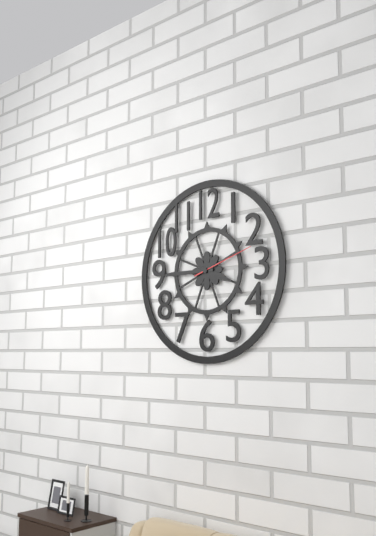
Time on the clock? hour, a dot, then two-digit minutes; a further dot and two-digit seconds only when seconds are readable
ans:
3.45.12
